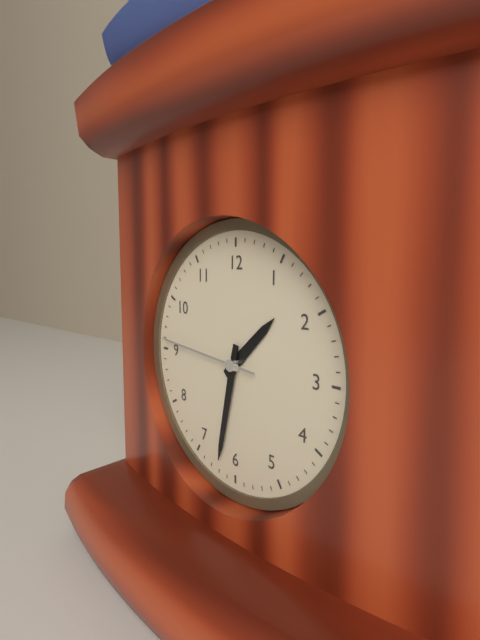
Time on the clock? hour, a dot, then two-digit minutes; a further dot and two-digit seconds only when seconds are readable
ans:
1.32.46
